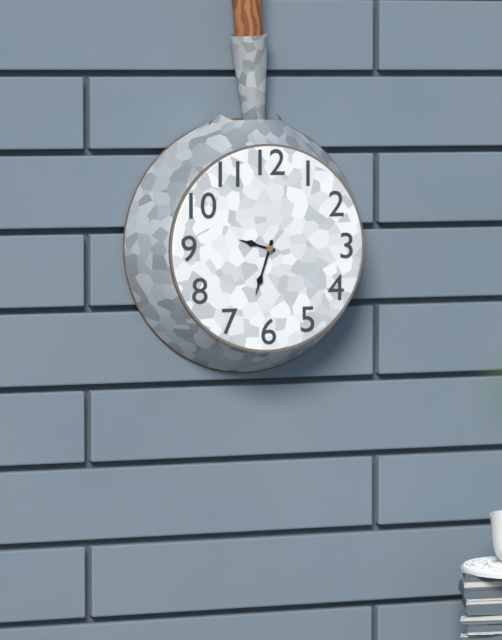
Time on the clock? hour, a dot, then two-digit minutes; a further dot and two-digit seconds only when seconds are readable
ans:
9.33
